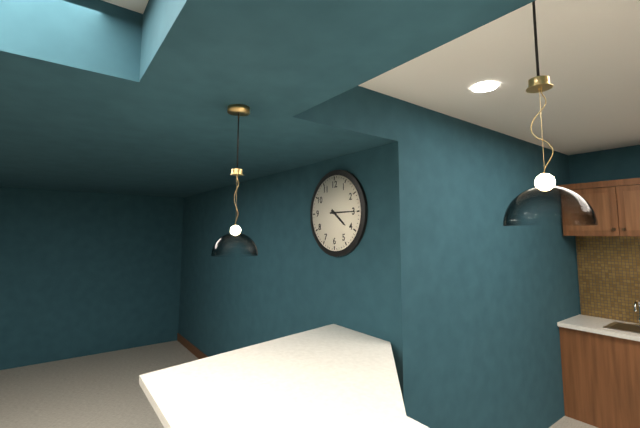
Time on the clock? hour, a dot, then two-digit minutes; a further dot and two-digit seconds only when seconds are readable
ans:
4.15
